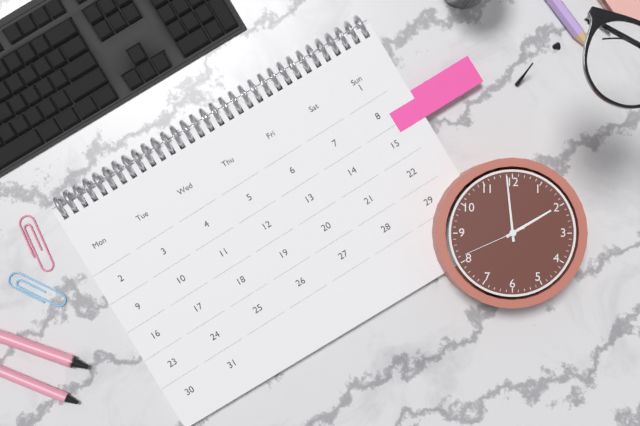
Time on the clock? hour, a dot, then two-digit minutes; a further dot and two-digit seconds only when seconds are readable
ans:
1.59.41
